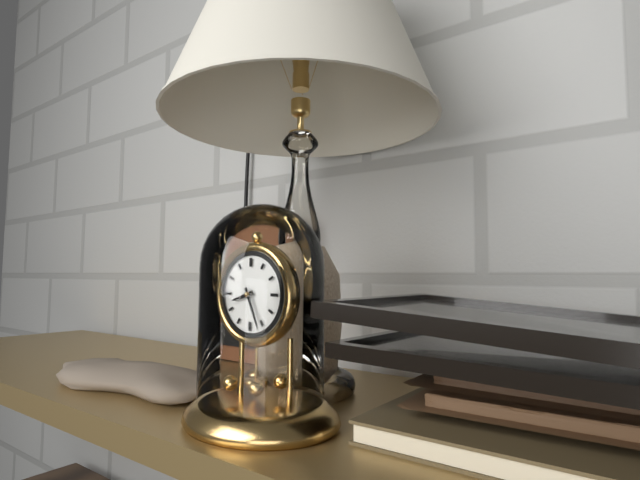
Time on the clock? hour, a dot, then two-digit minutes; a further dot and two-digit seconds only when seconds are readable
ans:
8.26
